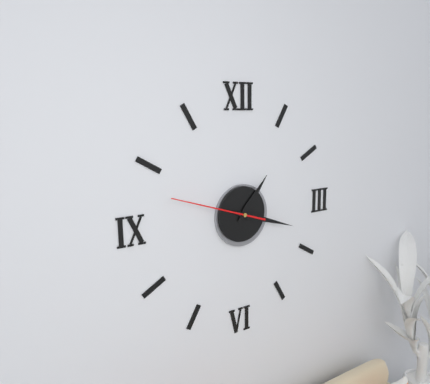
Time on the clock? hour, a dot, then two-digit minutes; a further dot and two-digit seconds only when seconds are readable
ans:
1.18.48
